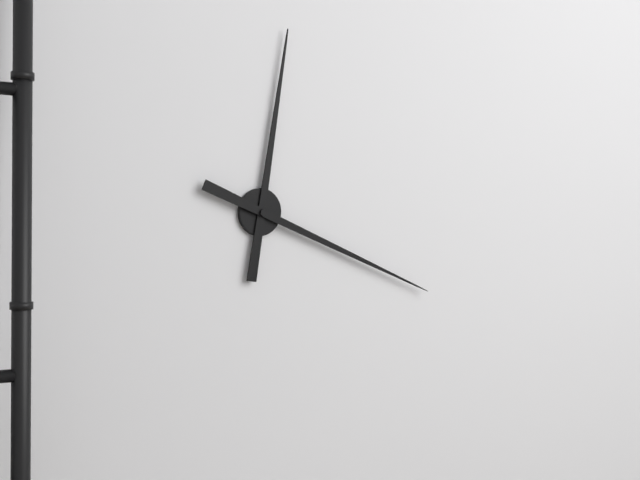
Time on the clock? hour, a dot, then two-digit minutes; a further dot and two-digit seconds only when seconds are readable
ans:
12.19
